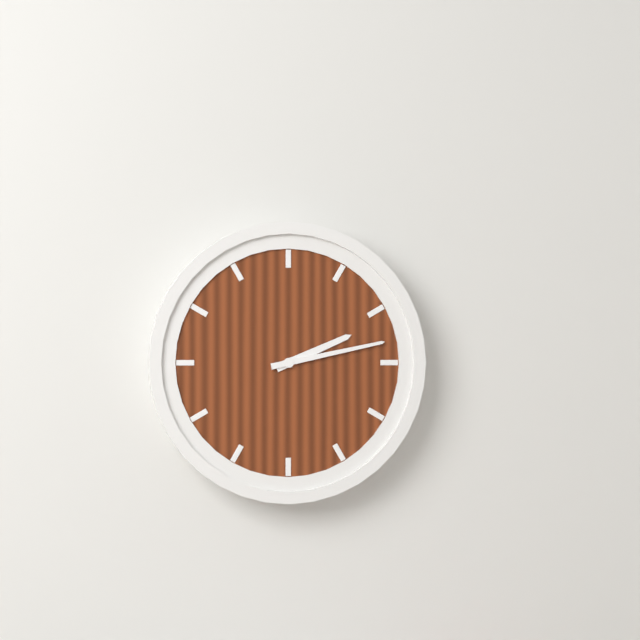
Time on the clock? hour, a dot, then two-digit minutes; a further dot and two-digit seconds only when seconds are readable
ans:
2.13
